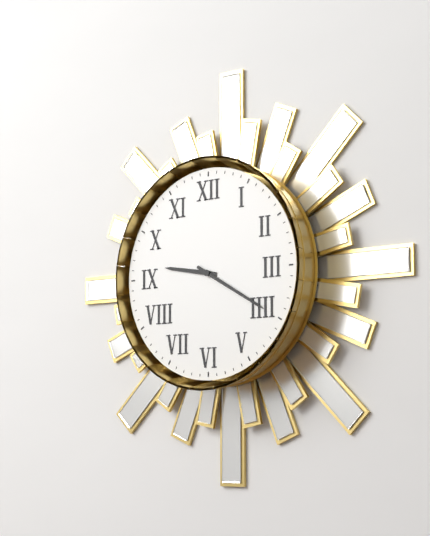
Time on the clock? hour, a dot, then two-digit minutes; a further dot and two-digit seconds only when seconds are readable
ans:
9.20
